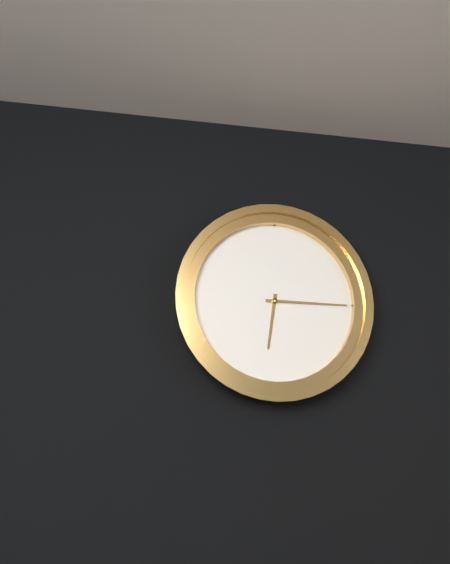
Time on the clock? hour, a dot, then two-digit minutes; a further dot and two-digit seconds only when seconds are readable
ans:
6.15
